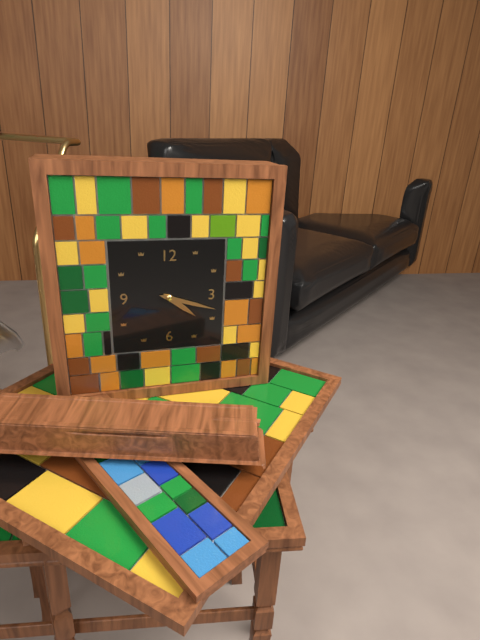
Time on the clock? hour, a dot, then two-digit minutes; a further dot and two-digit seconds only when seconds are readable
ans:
4.18
